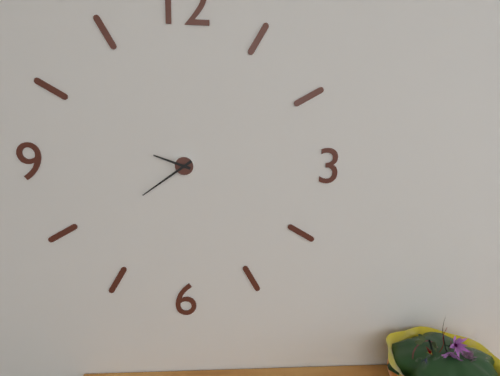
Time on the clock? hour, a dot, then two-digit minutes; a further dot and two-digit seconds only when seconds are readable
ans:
9.39
